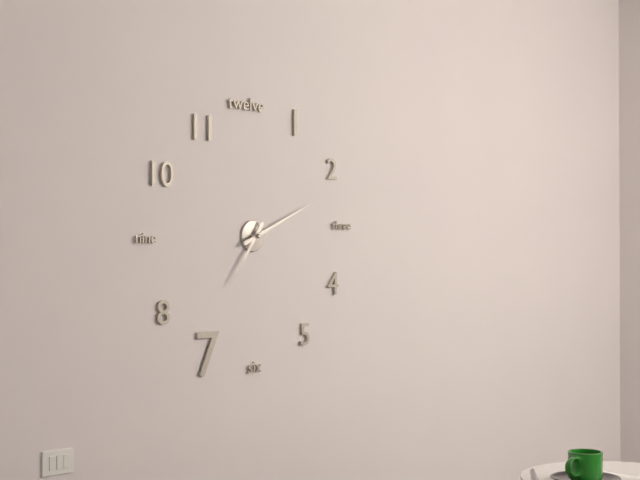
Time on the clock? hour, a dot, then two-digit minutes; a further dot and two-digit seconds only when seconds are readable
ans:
7.11
